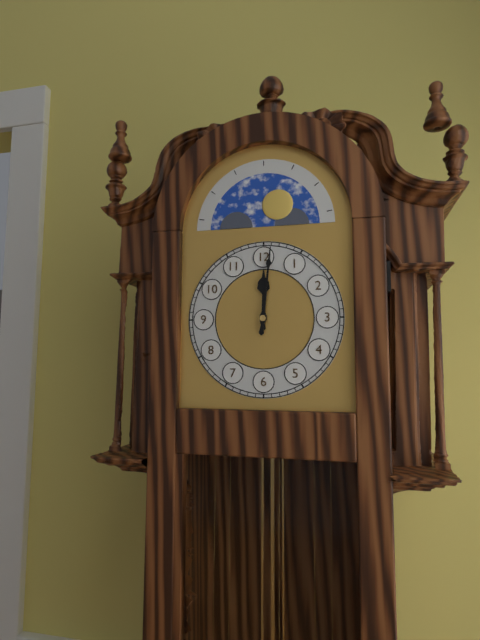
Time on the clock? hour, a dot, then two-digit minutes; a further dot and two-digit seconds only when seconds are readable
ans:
12.01
